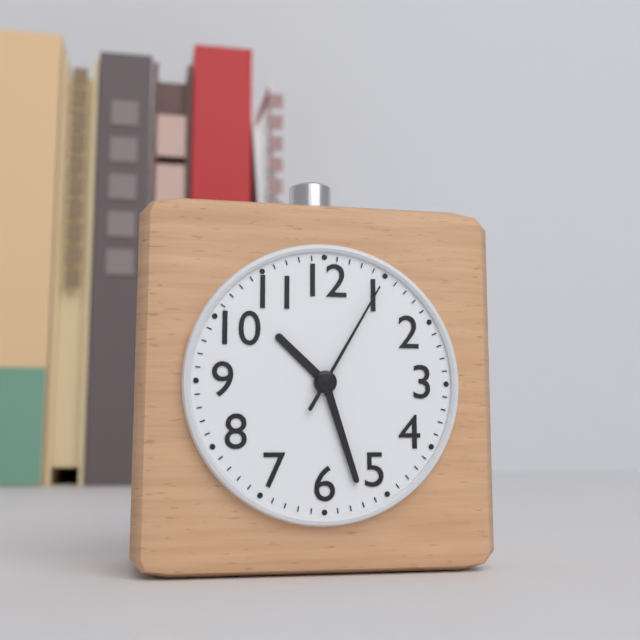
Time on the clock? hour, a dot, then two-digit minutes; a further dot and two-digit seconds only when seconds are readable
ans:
10.27.05
